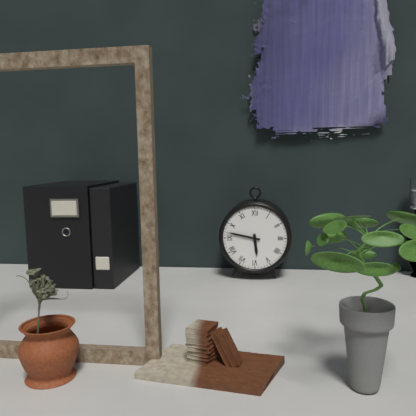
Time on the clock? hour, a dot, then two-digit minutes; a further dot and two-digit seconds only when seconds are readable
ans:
5.47
